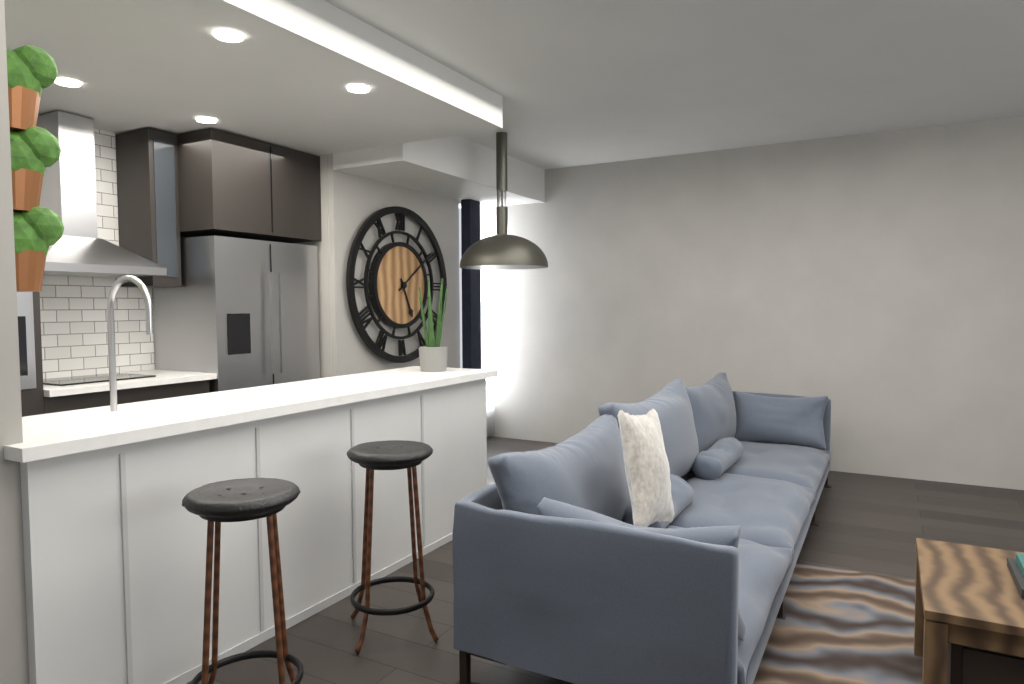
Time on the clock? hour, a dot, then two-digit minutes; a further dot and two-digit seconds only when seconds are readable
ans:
5.09
